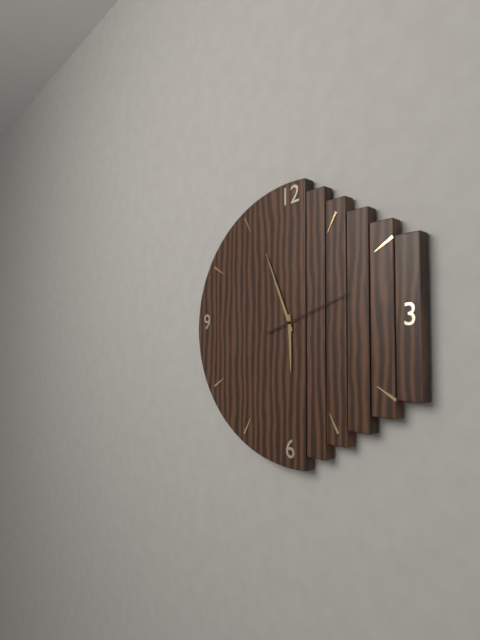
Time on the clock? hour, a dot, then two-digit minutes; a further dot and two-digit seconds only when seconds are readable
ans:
5.56.12
